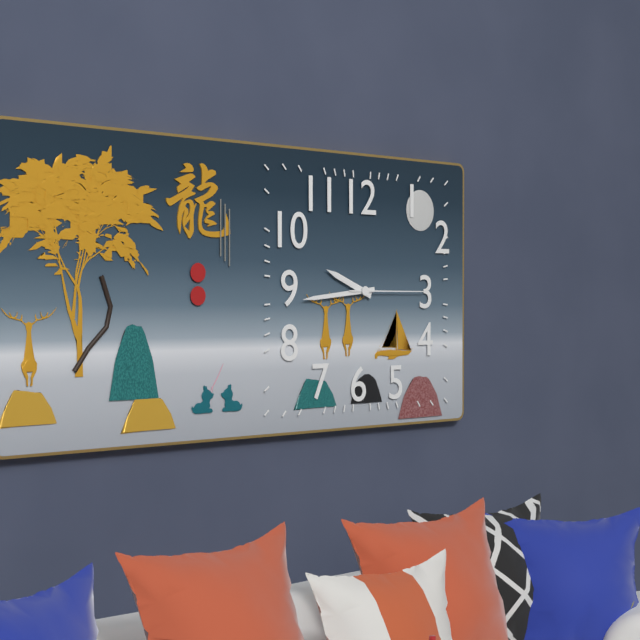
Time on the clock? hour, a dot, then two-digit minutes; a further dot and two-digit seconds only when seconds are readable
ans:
9.44.15
